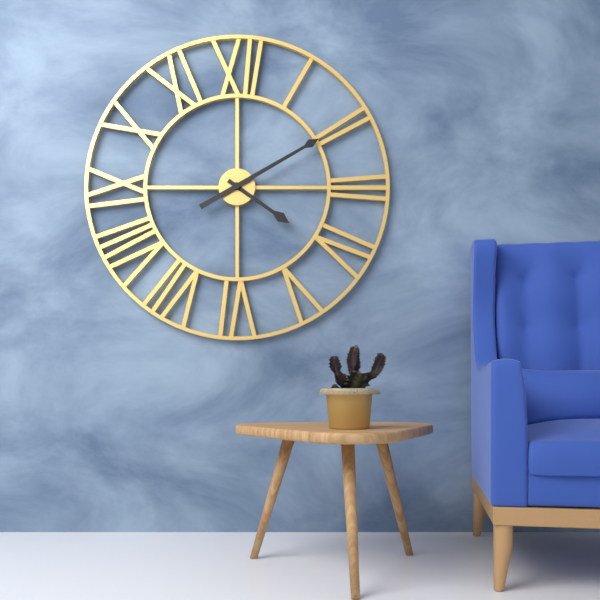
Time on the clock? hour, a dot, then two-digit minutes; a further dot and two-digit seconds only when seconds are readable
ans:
4.10
